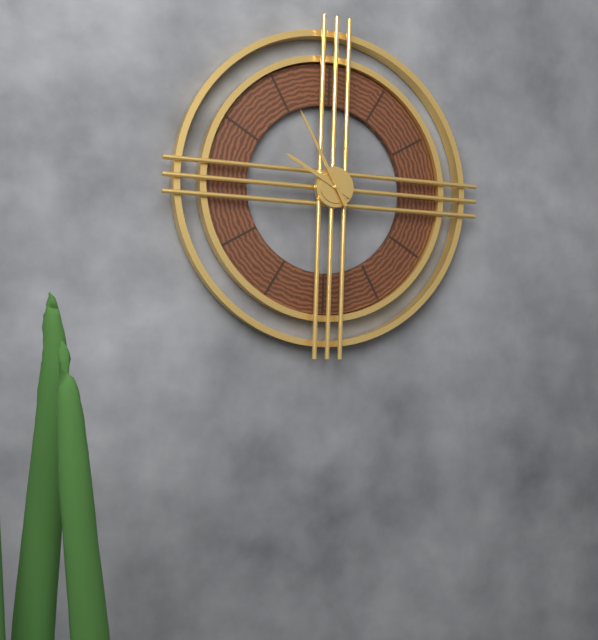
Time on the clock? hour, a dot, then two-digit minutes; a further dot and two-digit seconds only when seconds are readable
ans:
9.55
